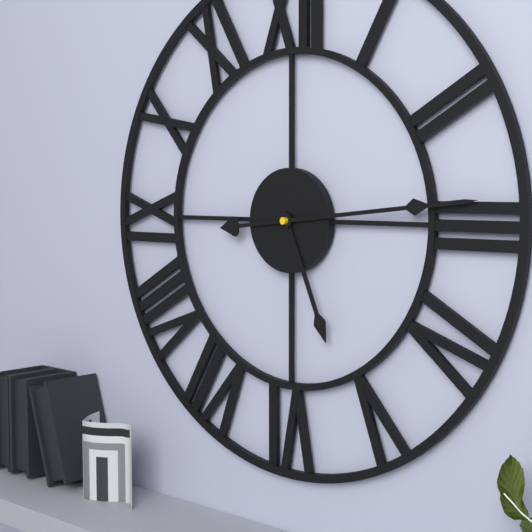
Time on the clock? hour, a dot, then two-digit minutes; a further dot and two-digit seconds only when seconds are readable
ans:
5.14
